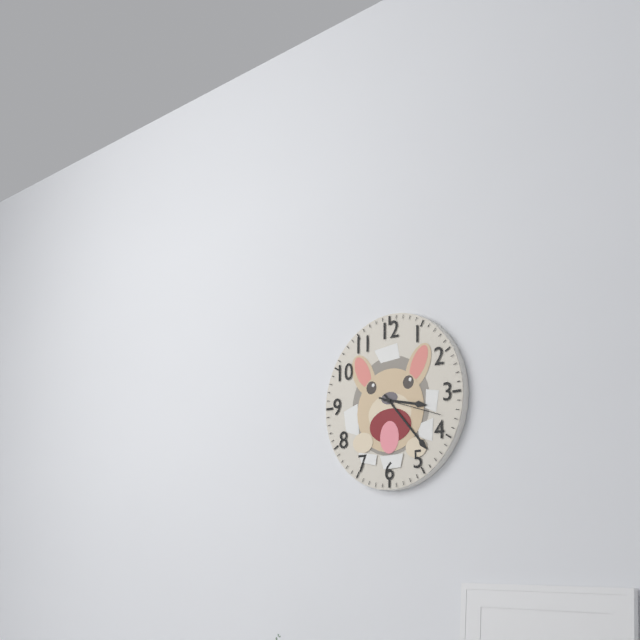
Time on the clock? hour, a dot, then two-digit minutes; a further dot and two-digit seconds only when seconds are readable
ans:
3.23.18
